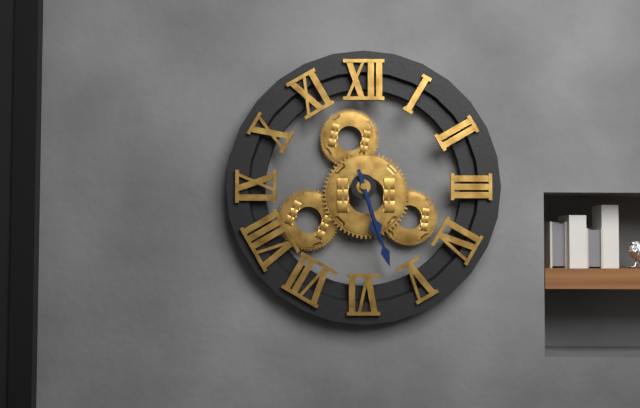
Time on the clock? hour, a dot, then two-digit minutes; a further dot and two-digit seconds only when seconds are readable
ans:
5.27
